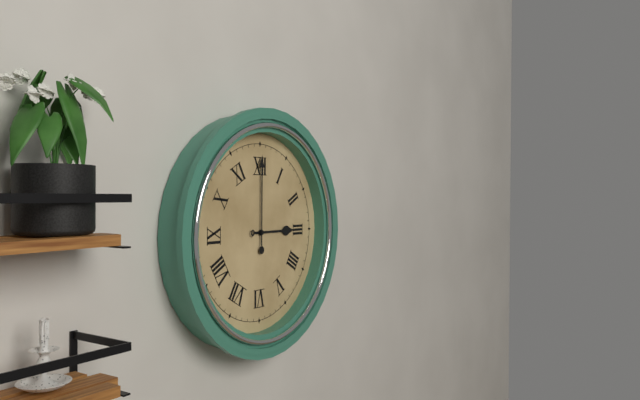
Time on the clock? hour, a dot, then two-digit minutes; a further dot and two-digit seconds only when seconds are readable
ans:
3.00
